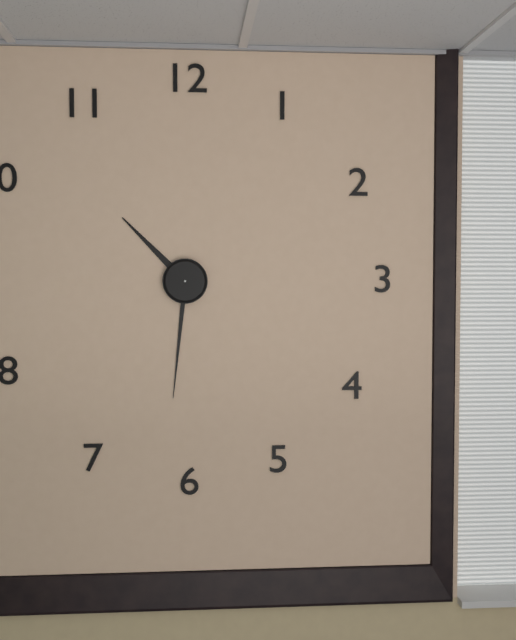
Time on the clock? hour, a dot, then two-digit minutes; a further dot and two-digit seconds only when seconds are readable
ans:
10.31
